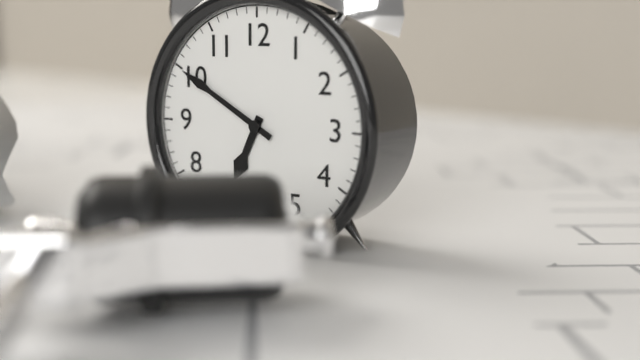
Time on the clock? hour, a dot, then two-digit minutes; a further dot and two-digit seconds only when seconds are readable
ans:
6.50
